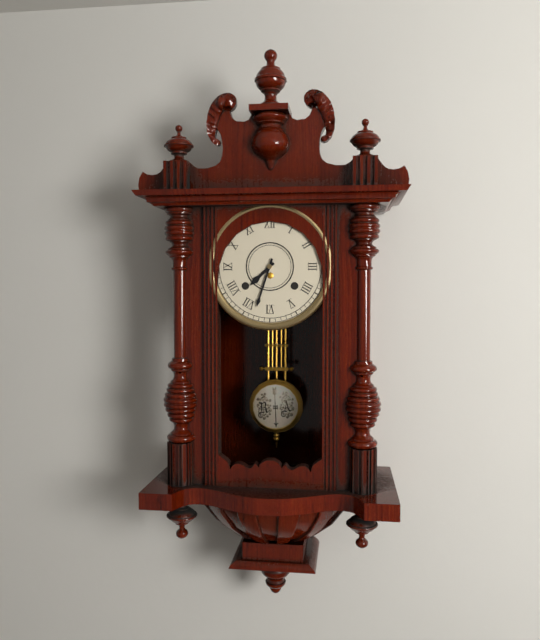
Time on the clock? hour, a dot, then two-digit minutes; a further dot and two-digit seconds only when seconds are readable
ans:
7.33
